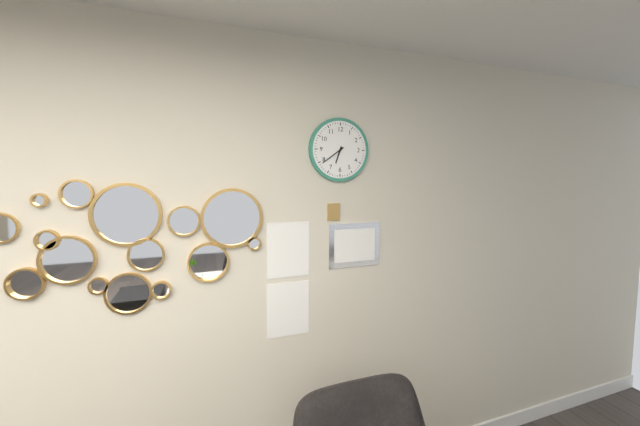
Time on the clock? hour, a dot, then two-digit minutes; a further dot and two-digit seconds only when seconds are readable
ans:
6.39
